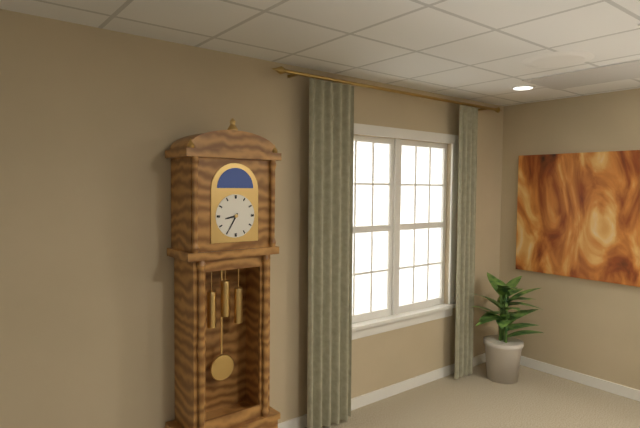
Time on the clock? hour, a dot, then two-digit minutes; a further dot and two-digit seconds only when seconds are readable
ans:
8.35
